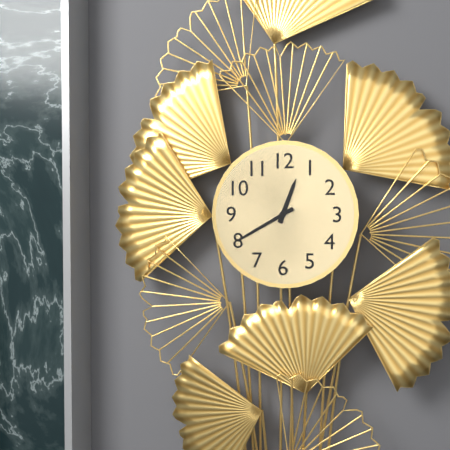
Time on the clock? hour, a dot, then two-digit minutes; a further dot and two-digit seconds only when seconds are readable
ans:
12.40
